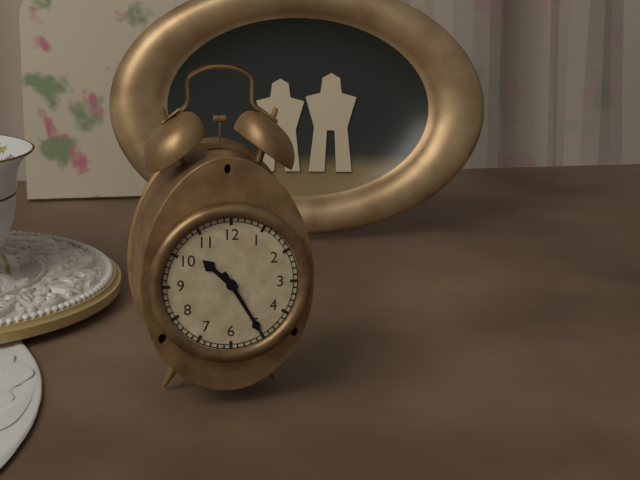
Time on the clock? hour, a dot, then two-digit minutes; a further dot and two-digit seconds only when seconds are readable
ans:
10.25
